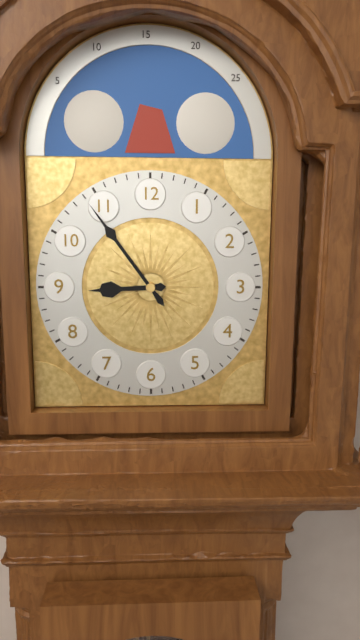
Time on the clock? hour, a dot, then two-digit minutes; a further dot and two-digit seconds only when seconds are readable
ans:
8.54
